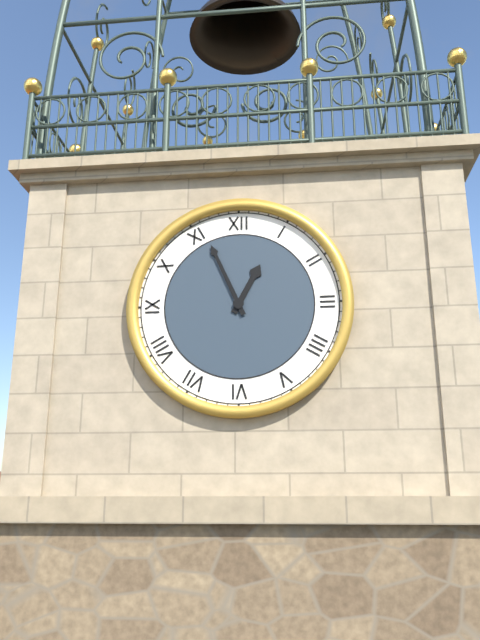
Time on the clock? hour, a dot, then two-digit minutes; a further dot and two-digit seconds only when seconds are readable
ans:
12.56
